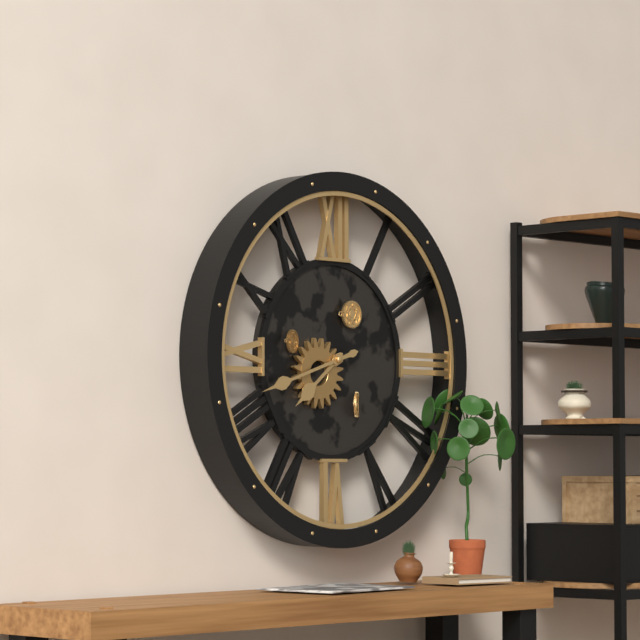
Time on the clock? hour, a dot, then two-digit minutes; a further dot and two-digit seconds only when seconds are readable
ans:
7.42
